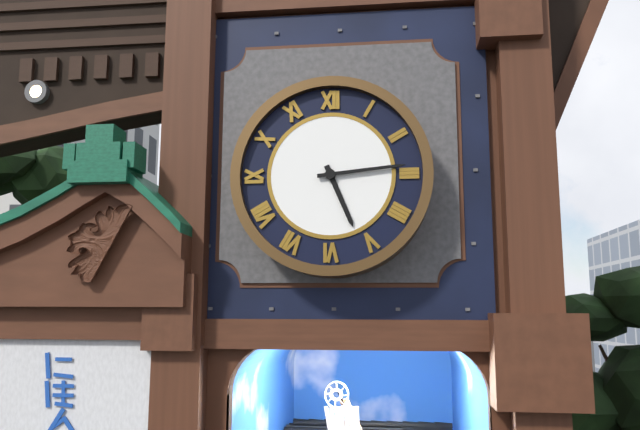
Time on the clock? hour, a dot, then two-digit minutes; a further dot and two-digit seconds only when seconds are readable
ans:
5.14
